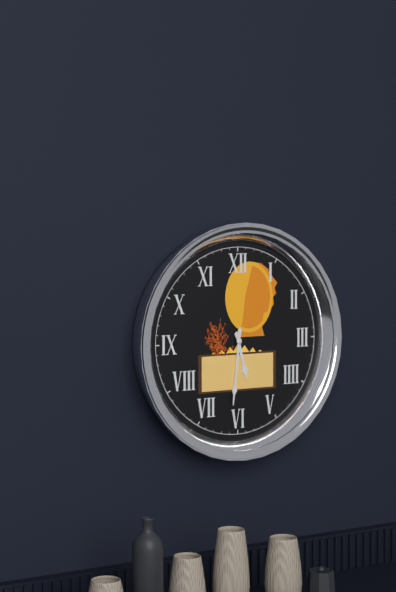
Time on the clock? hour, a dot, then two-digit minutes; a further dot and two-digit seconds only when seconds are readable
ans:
5.31
